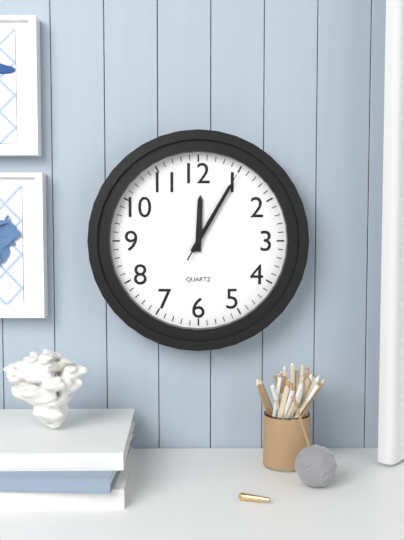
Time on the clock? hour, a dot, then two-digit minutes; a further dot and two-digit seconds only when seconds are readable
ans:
12.05.05
